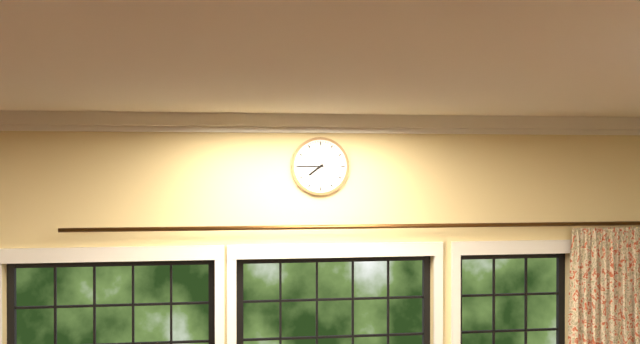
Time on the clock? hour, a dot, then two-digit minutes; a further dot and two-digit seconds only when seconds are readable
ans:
7.45
